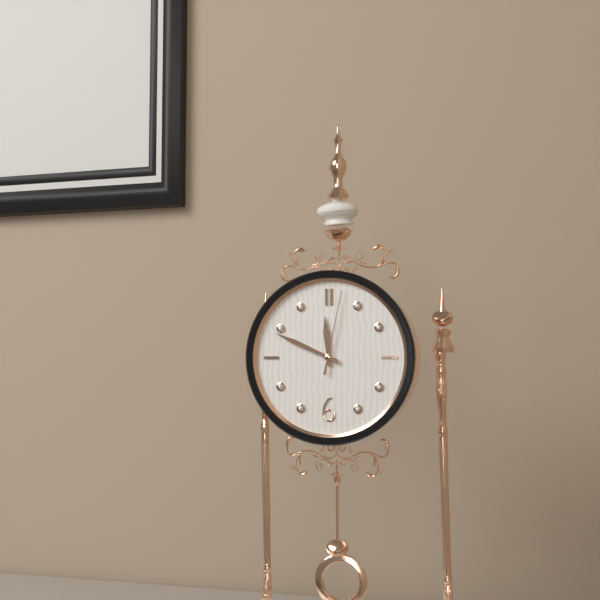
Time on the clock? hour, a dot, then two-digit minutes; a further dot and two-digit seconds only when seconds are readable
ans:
11.49.02
